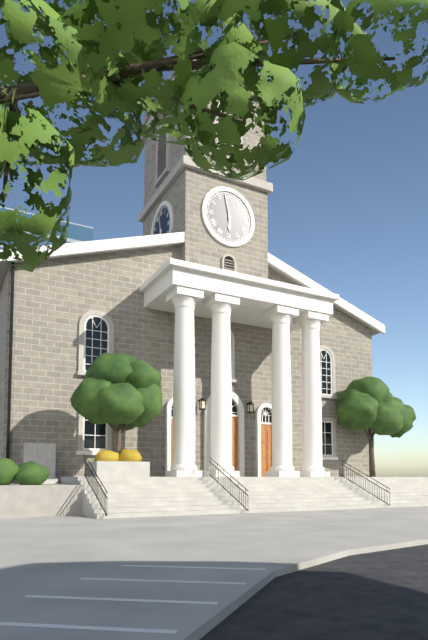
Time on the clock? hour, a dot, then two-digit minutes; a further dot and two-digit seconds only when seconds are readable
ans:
5.58
